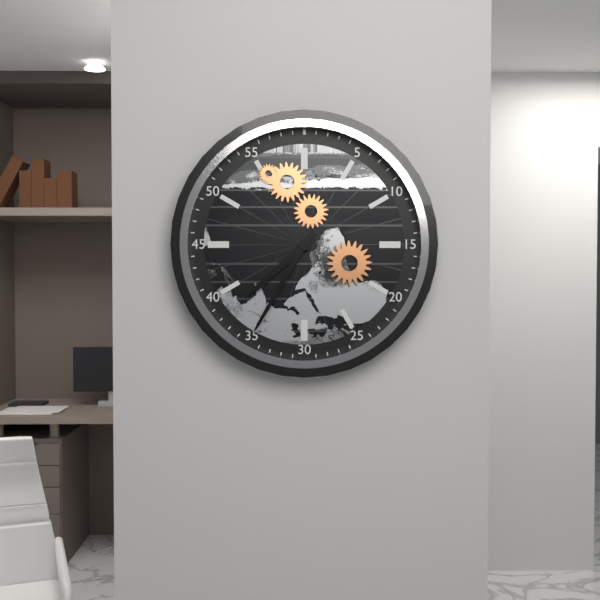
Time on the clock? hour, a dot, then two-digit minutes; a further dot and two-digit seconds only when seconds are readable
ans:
7.35
